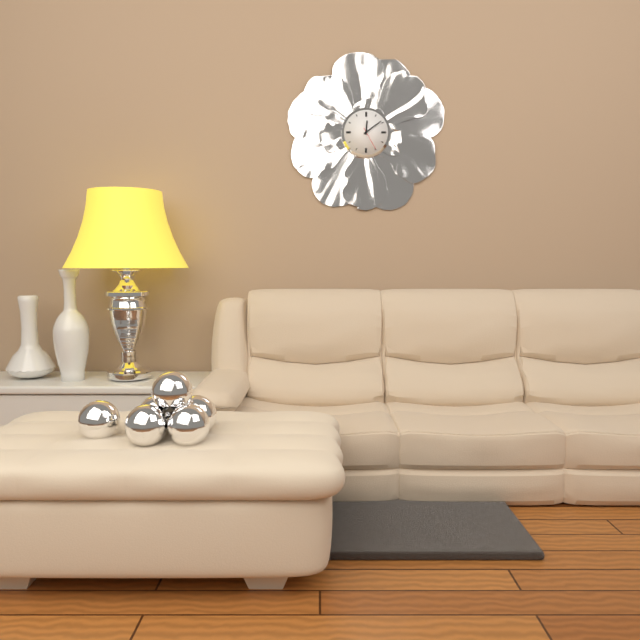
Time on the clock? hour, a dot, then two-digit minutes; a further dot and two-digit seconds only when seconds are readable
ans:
12.09
